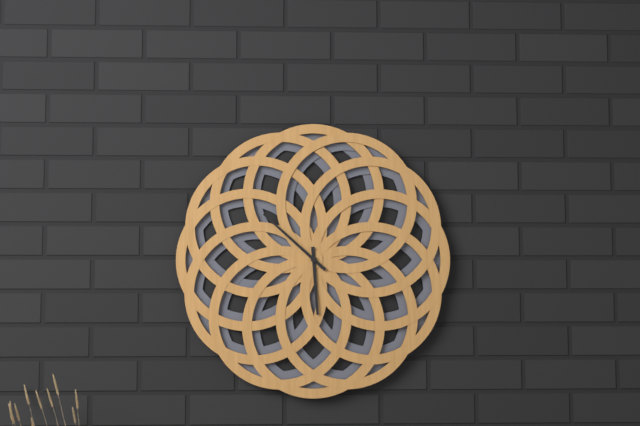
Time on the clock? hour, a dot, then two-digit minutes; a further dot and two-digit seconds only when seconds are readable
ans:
5.52
